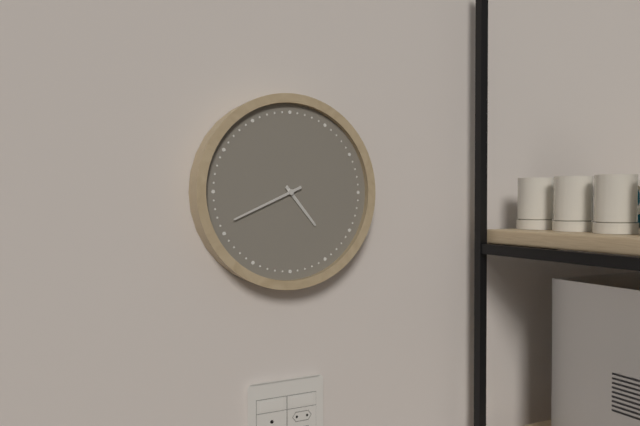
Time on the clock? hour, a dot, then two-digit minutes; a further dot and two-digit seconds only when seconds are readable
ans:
4.41
